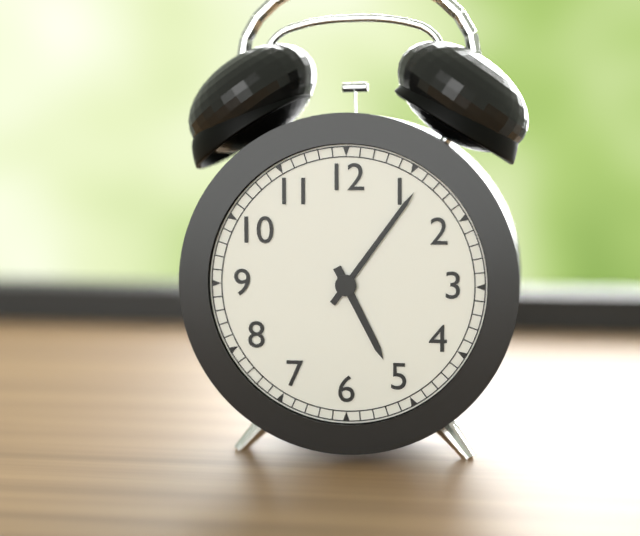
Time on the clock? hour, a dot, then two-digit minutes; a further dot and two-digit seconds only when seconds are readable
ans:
5.06
